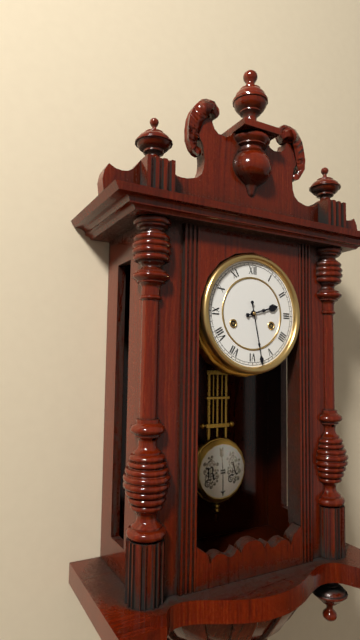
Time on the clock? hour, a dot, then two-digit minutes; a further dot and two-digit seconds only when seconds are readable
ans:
2.28
